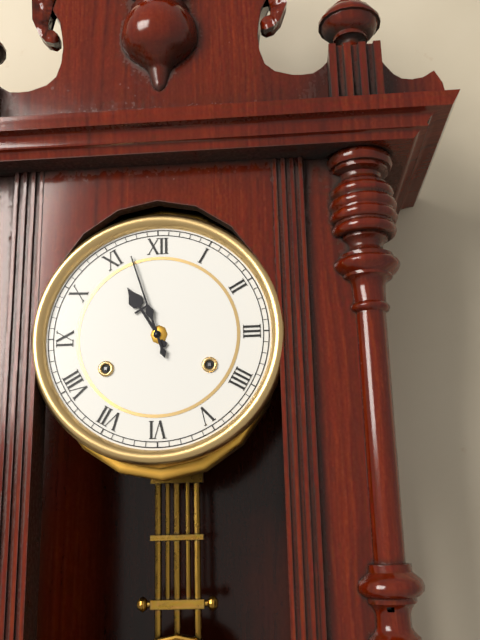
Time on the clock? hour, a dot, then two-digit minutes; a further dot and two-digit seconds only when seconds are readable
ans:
10.57
